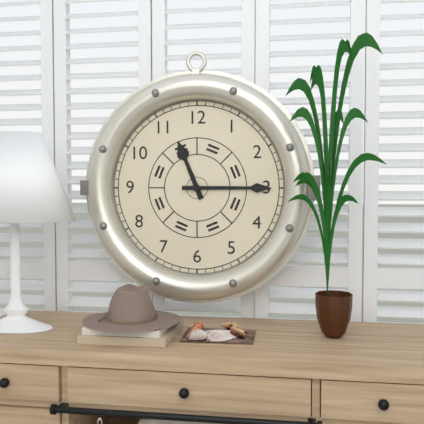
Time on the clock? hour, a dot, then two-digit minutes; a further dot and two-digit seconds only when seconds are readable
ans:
11.15
